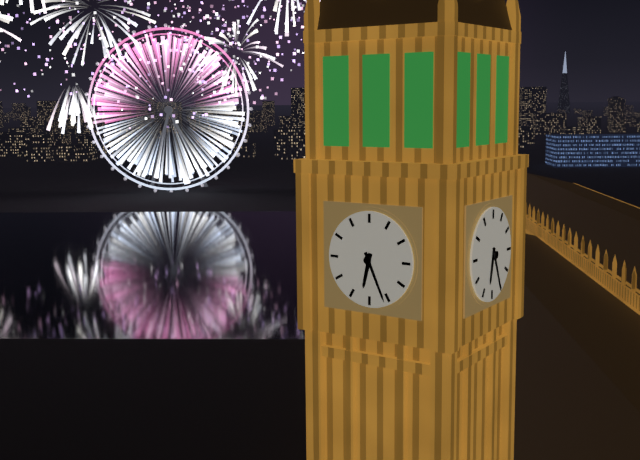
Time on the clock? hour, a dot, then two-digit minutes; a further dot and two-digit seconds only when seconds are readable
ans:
6.26
